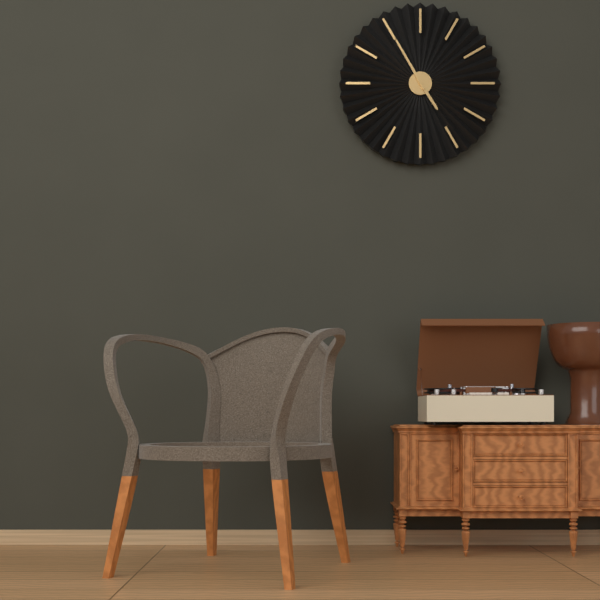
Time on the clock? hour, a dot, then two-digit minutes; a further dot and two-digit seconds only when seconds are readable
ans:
4.55
